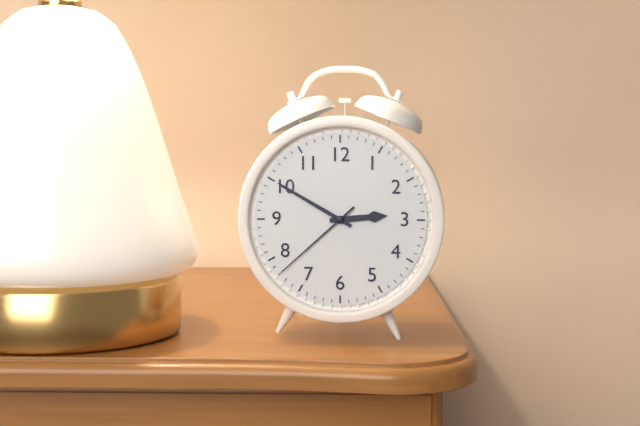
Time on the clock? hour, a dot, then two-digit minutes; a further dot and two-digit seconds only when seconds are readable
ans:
2.50.38
